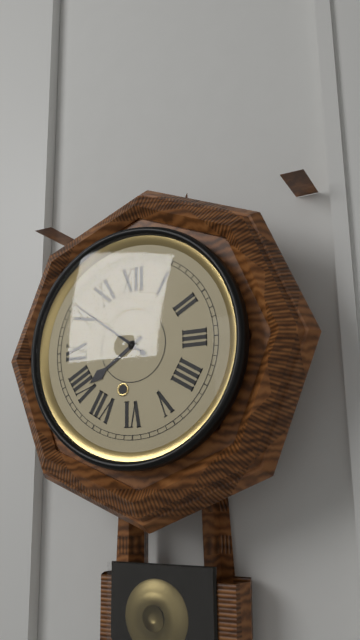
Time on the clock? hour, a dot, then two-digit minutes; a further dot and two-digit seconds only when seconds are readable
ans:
7.51
